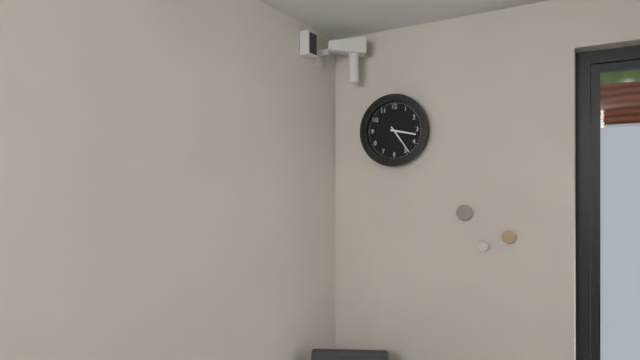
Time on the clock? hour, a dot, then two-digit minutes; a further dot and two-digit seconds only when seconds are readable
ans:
3.24
